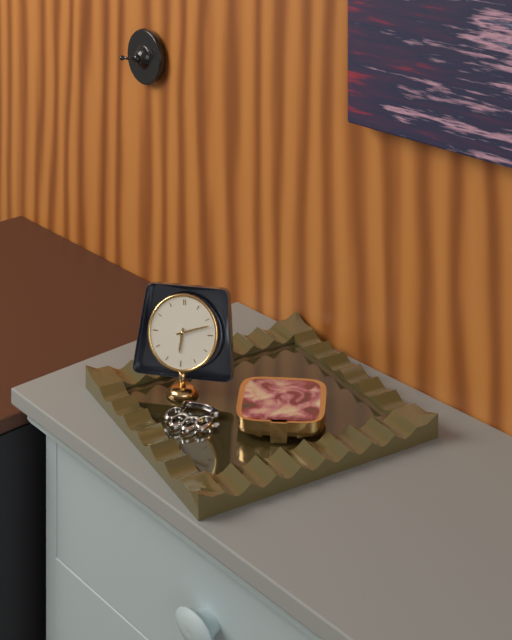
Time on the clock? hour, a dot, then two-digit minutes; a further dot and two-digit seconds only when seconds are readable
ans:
6.12
